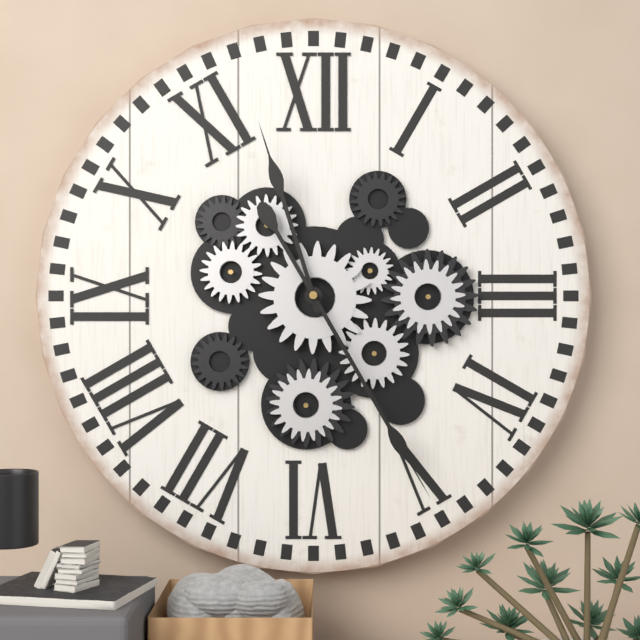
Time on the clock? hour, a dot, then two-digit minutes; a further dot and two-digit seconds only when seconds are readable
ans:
11.25
